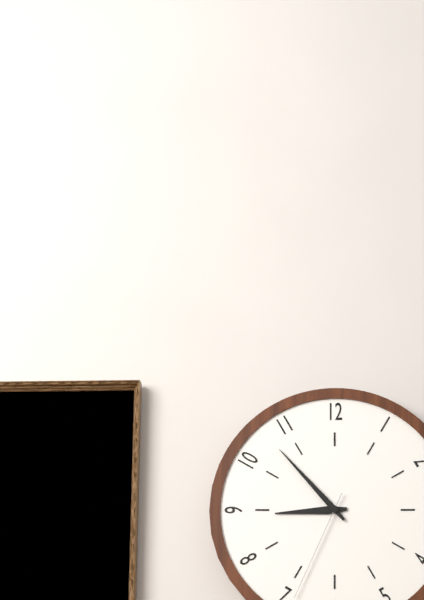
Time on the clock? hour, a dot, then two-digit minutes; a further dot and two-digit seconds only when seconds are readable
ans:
8.53.34
